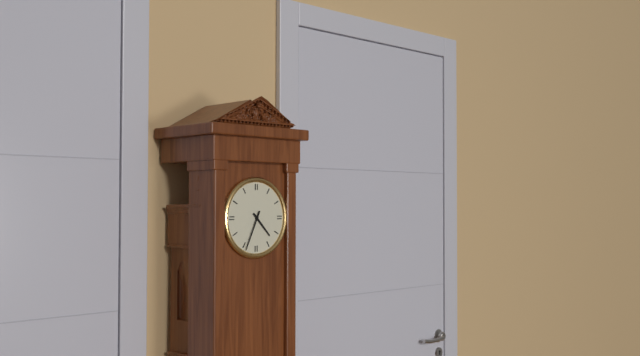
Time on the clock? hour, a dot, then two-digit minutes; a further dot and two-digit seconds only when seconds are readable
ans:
4.34
